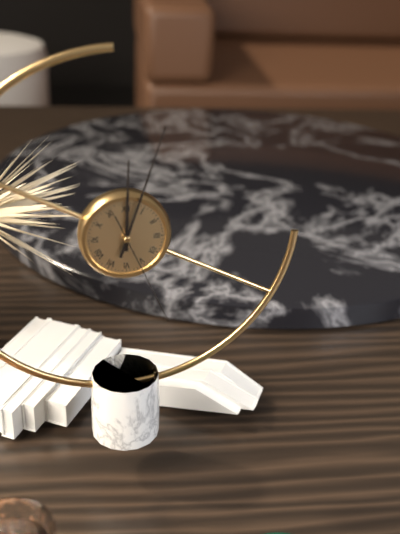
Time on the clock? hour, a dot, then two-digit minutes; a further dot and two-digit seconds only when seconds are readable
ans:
12.03.26
